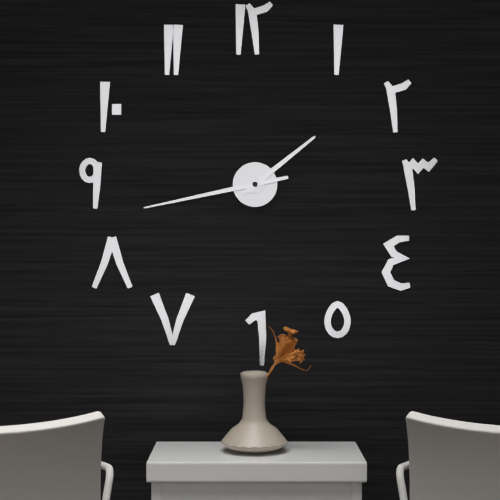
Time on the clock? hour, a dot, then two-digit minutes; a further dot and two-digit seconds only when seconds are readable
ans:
1.43
